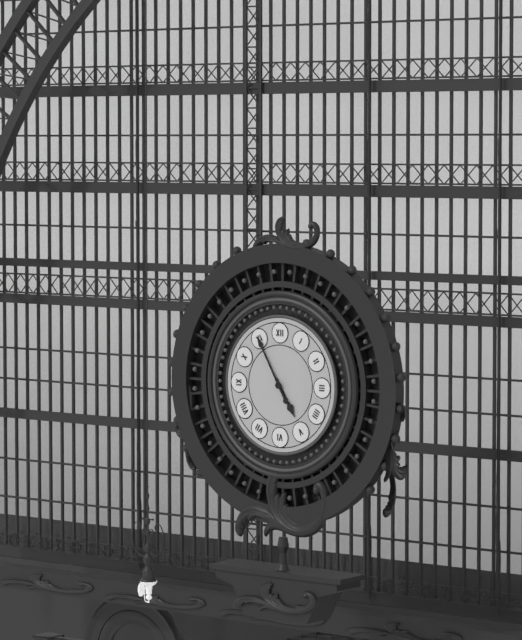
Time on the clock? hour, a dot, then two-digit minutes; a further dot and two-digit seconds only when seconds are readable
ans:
4.55
